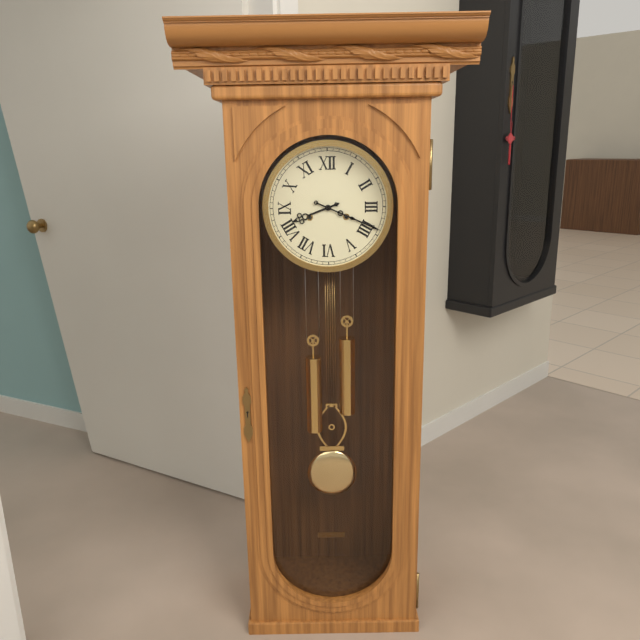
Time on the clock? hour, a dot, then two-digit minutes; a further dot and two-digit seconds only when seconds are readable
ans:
8.19
